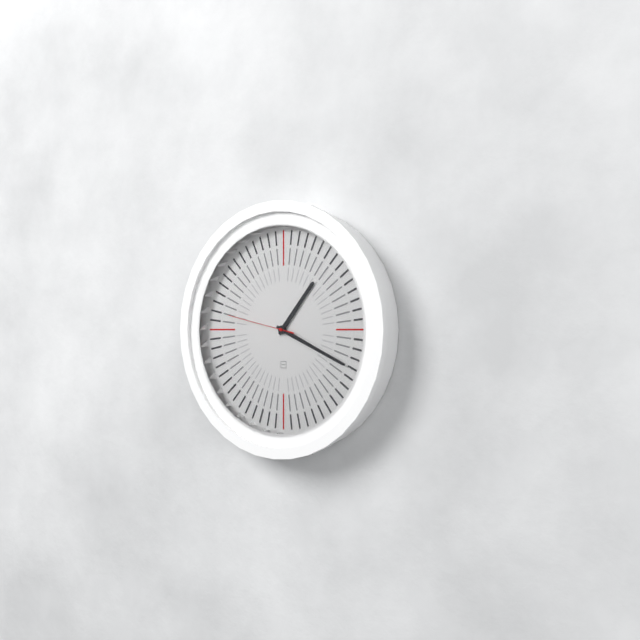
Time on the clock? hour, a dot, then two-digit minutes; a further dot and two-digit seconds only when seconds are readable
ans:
1.19.47
